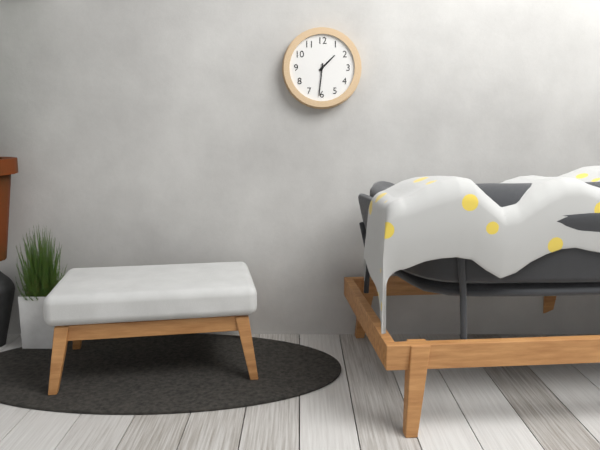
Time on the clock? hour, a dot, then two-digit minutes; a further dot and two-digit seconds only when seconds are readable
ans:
1.31
